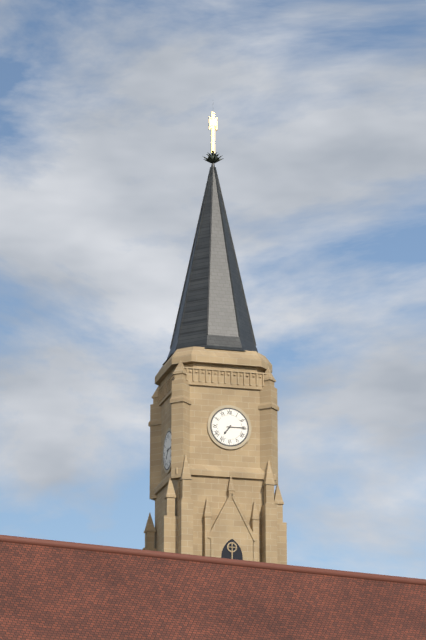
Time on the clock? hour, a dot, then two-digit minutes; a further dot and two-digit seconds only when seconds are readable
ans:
7.15
